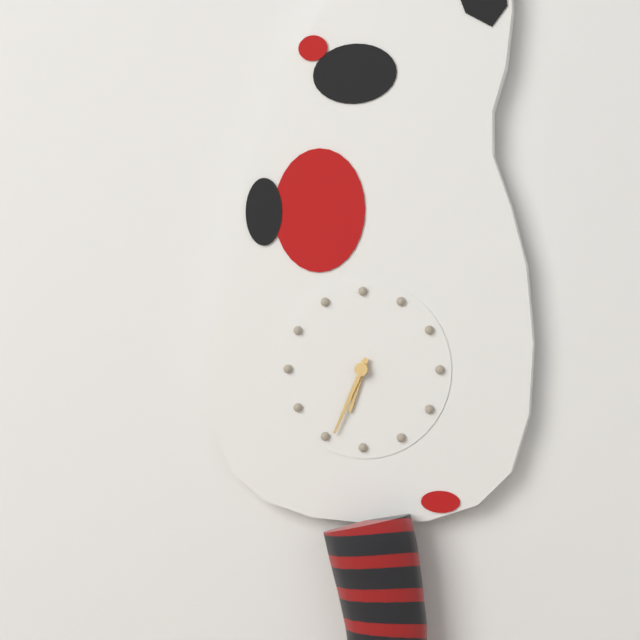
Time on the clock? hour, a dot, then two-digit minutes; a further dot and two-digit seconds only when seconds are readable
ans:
6.34
